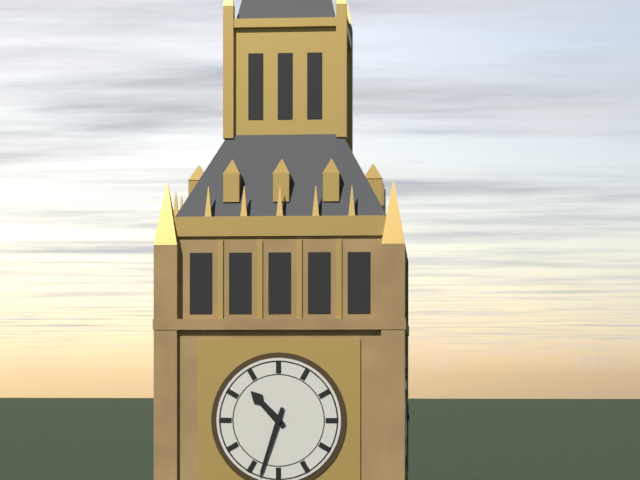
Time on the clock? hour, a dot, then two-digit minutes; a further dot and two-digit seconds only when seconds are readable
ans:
10.33
